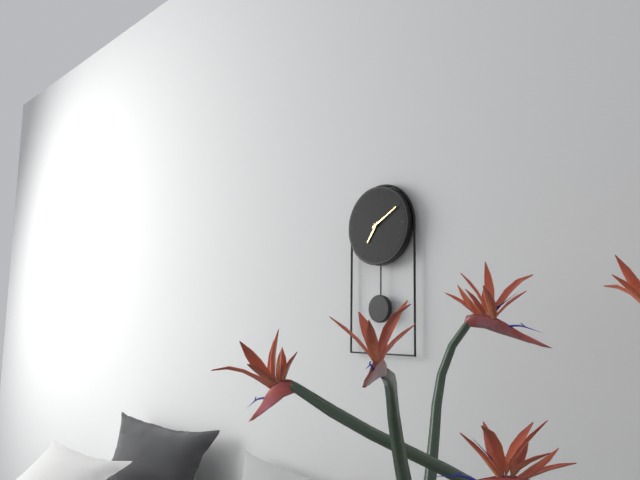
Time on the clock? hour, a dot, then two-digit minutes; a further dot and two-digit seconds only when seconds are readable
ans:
7.10
